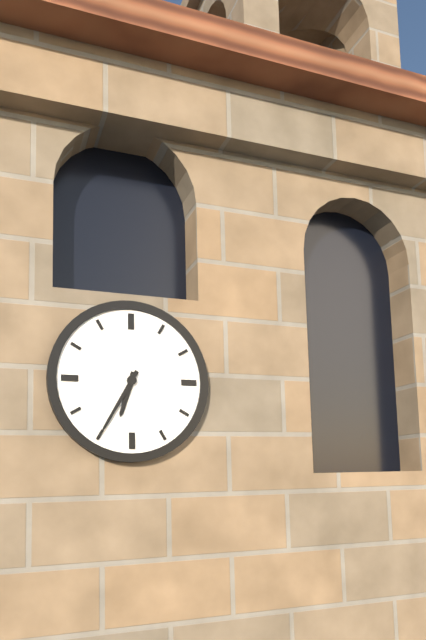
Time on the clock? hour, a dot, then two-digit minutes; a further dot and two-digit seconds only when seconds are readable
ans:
6.35
